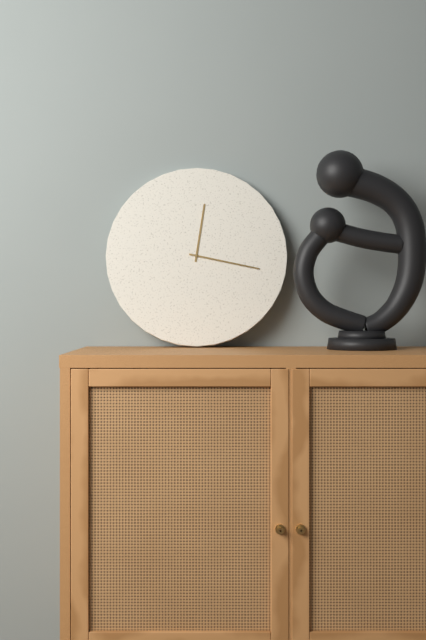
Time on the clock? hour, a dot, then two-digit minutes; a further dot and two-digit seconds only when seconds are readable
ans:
12.17
